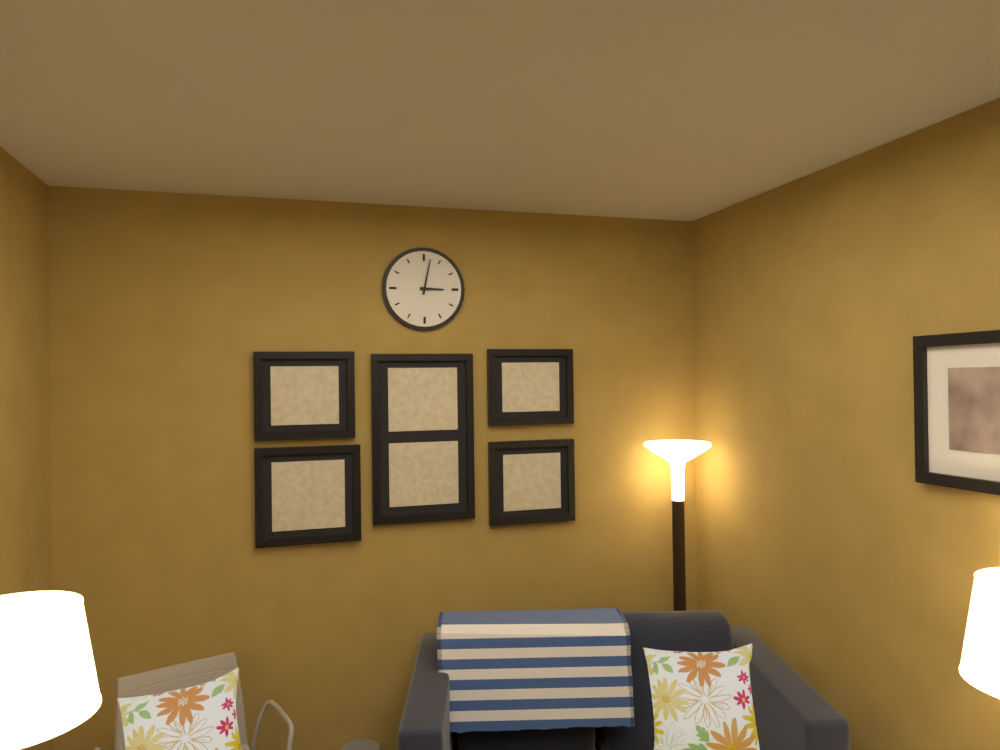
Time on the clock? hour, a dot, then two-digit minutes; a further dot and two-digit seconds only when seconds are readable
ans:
3.02
